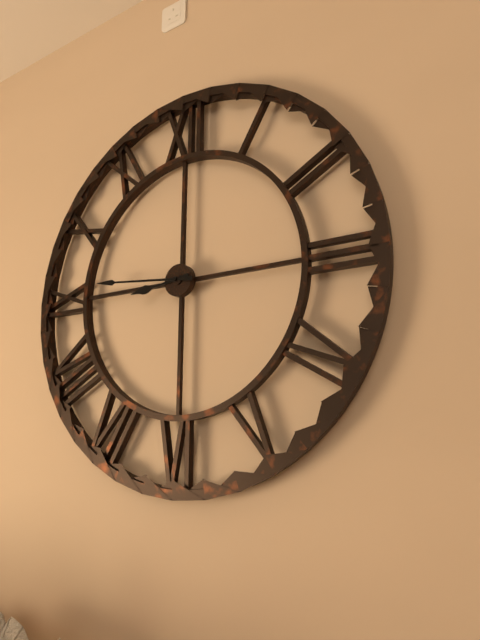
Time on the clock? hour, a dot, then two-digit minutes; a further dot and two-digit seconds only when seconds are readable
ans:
8.46
